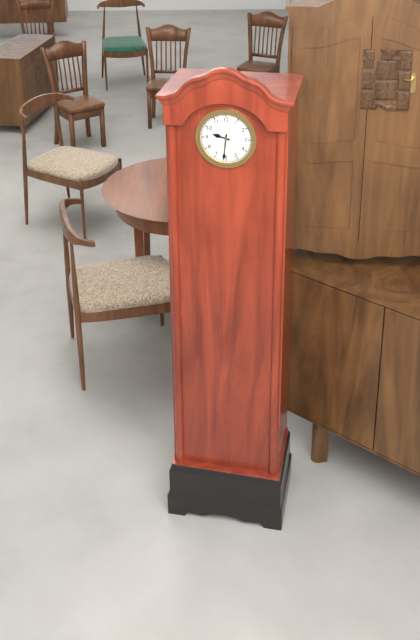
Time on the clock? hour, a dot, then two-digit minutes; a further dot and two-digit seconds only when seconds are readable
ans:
9.31
